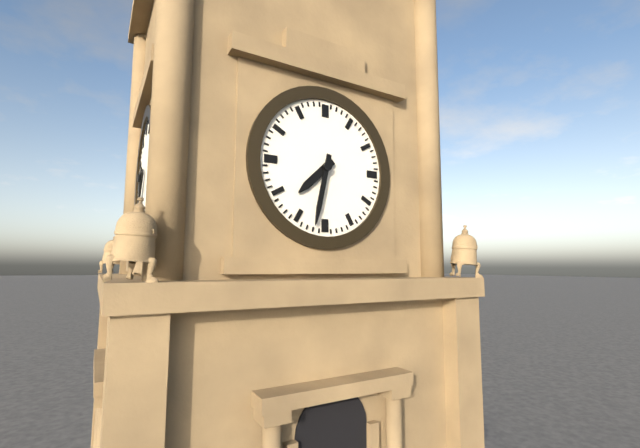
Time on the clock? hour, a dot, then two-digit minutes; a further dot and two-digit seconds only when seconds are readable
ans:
7.32
